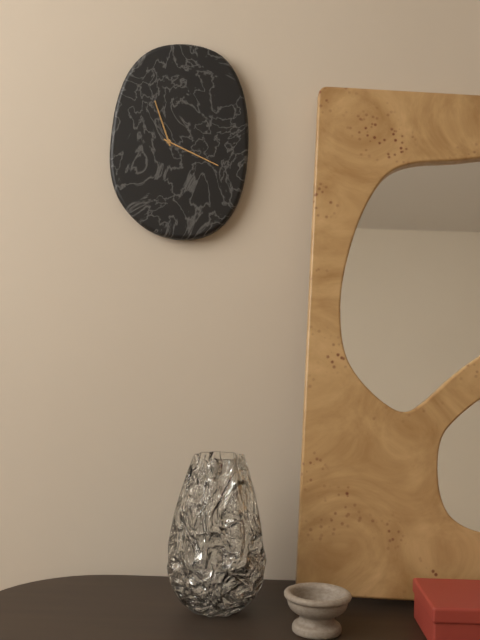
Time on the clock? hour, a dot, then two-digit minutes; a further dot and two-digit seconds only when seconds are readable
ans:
11.19
